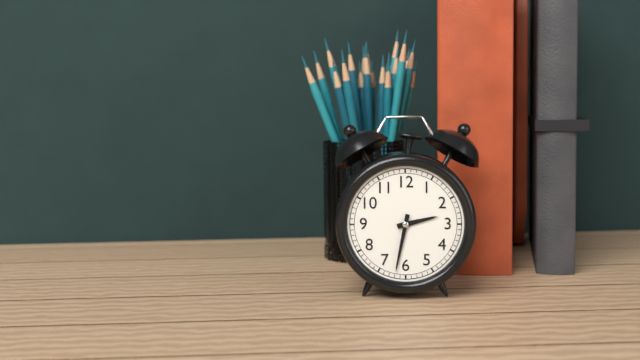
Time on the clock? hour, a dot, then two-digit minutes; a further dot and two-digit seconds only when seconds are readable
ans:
2.32
